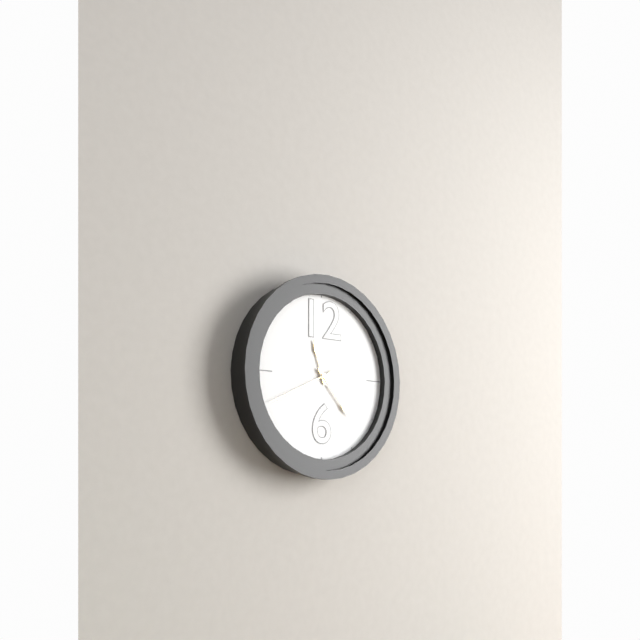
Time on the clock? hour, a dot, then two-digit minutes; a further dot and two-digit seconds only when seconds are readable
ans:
11.23.41
